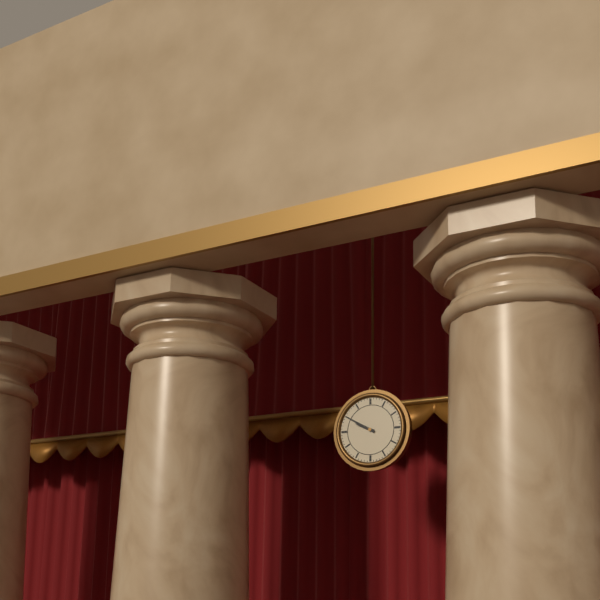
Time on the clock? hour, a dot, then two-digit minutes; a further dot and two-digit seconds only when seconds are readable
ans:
9.50
